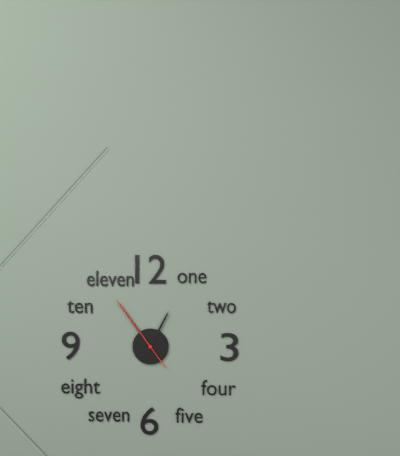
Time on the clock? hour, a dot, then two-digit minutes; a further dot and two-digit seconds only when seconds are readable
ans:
12.54.54
